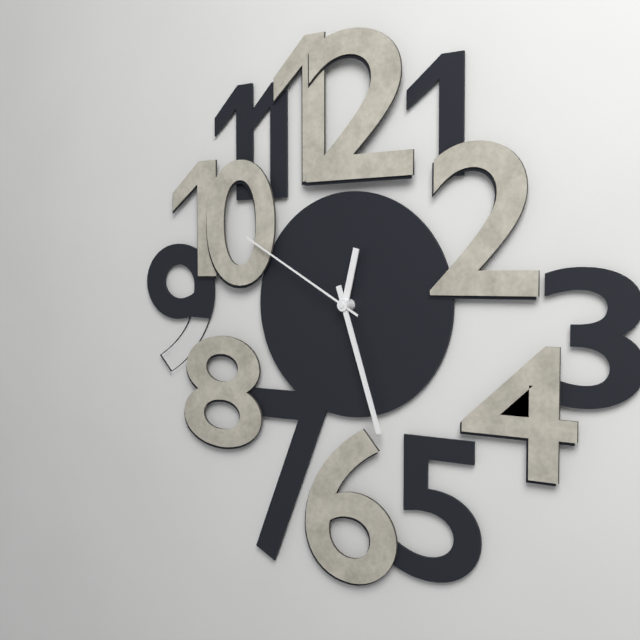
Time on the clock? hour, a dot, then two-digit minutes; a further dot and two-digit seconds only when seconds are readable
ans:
12.27.50
